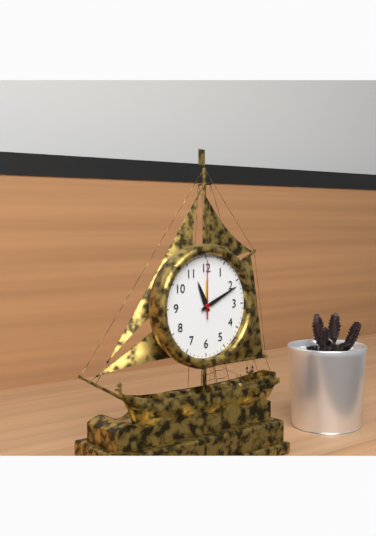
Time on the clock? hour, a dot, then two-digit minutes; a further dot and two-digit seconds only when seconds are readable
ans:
11.11.00
